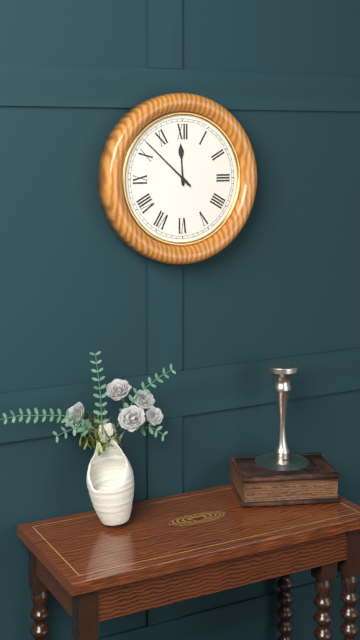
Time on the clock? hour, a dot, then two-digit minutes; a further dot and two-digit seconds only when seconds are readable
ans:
11.52
